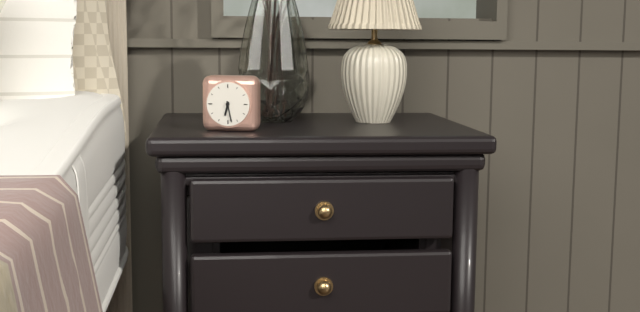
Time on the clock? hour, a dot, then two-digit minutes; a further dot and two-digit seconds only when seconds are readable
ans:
6.28
